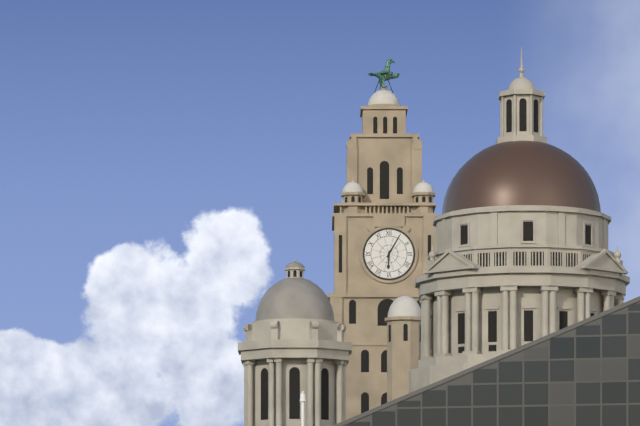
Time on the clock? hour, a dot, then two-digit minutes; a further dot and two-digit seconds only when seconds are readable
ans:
6.05
